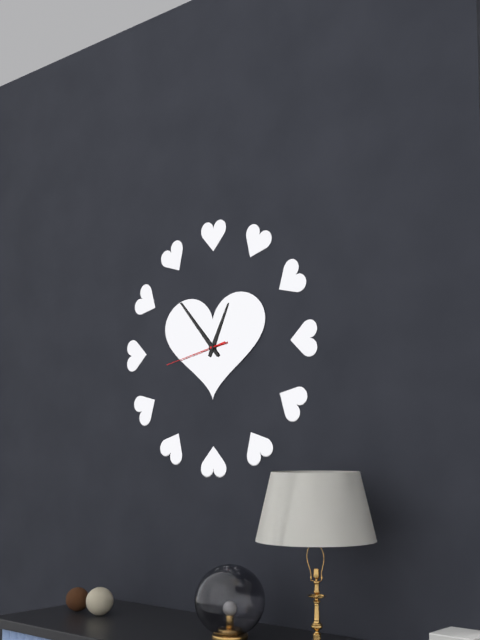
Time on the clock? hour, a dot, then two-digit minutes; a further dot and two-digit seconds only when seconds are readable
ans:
12.53.43
